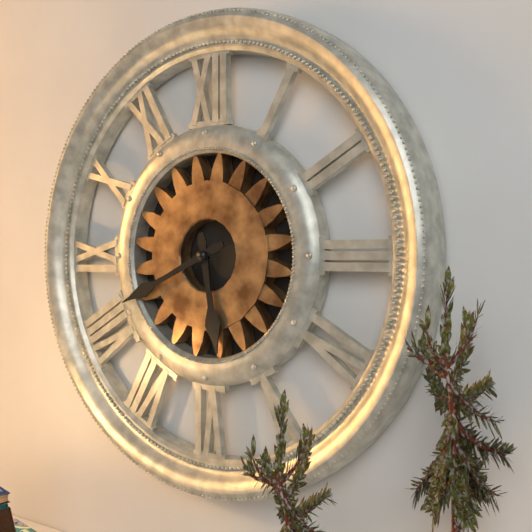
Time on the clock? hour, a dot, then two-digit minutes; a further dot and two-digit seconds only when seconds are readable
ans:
5.41
